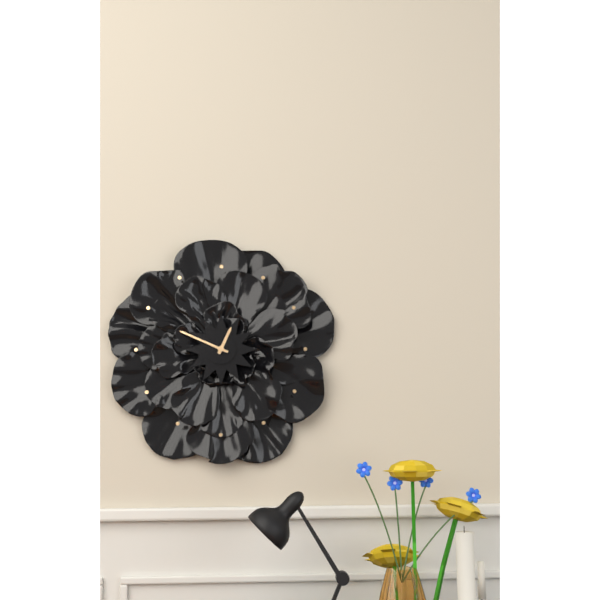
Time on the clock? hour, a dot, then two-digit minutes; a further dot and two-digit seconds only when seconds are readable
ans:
12.49
